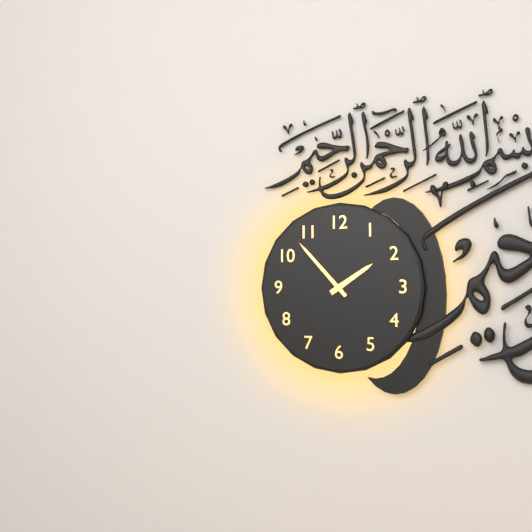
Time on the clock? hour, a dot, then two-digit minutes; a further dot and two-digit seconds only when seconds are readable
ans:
1.53
